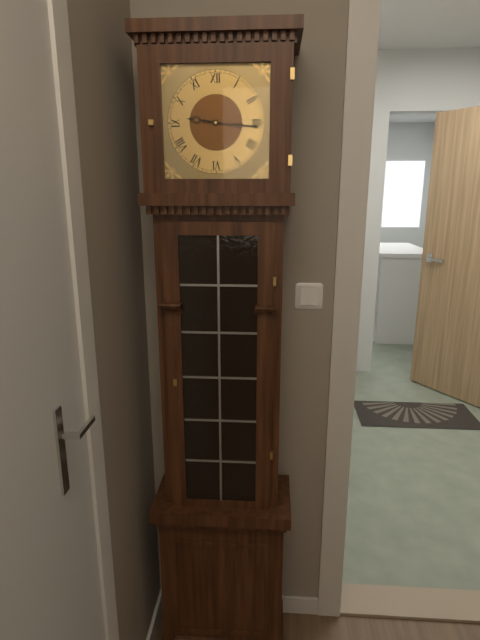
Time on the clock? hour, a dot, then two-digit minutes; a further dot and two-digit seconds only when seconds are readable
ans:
9.16
